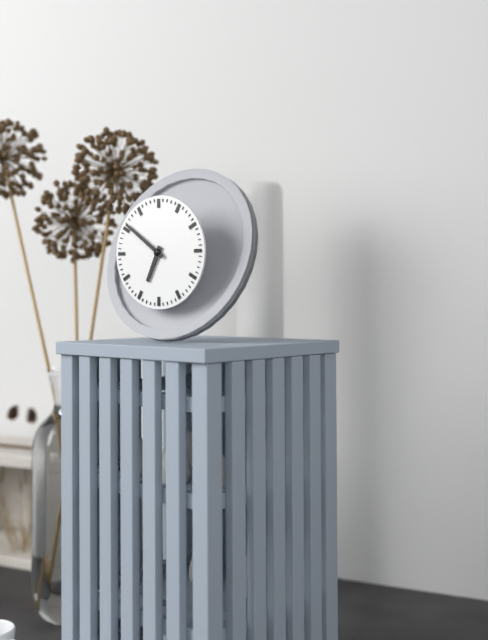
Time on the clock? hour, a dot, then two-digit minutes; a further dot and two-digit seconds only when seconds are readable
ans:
6.51
